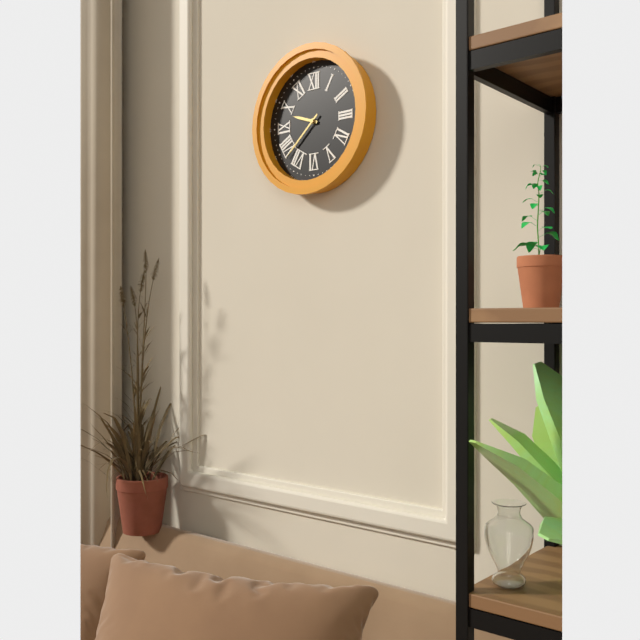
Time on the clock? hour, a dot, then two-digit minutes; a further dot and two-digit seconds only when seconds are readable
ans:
9.38
